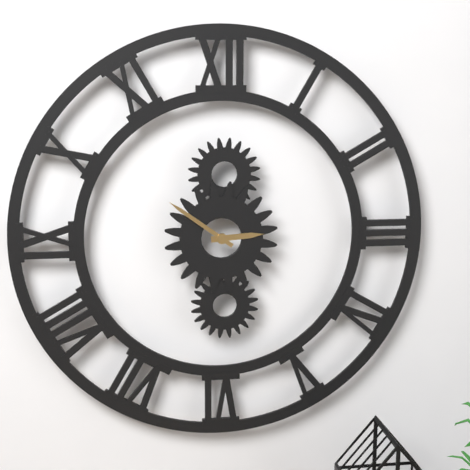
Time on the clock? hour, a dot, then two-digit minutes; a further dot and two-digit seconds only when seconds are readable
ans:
2.51
